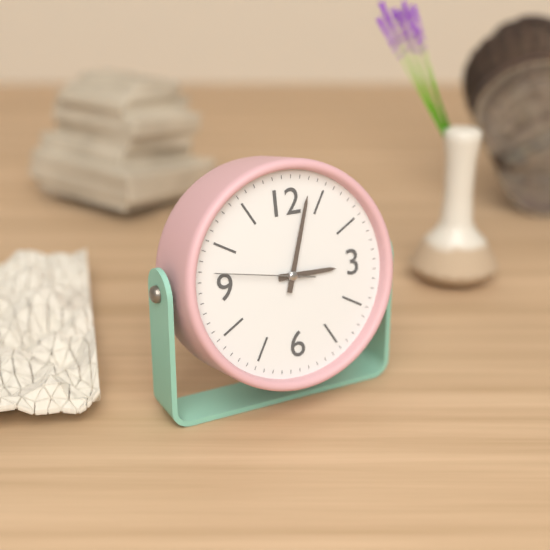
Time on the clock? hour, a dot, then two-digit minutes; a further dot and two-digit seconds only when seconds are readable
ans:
3.03.47
